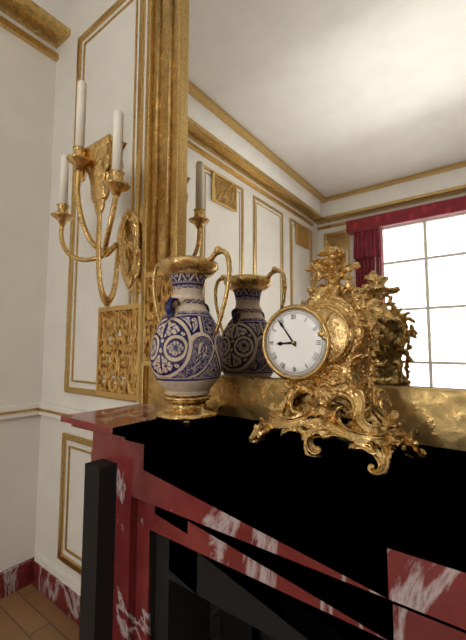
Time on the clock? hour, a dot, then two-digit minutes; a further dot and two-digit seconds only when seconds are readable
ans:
8.54
